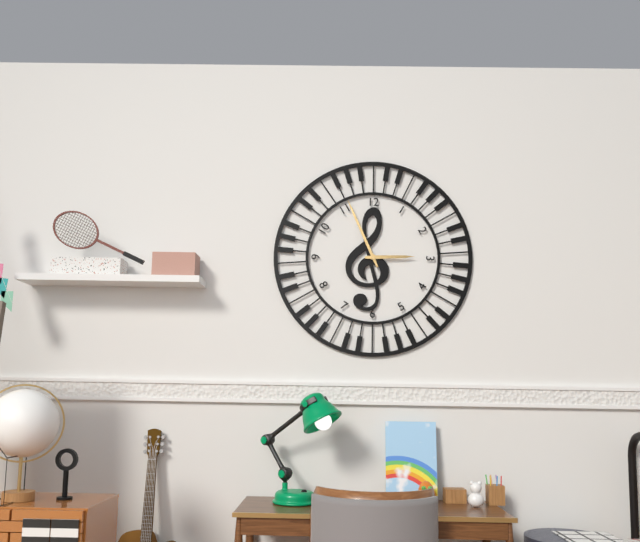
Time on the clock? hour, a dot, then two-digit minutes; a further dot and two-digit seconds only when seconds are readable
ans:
2.56
